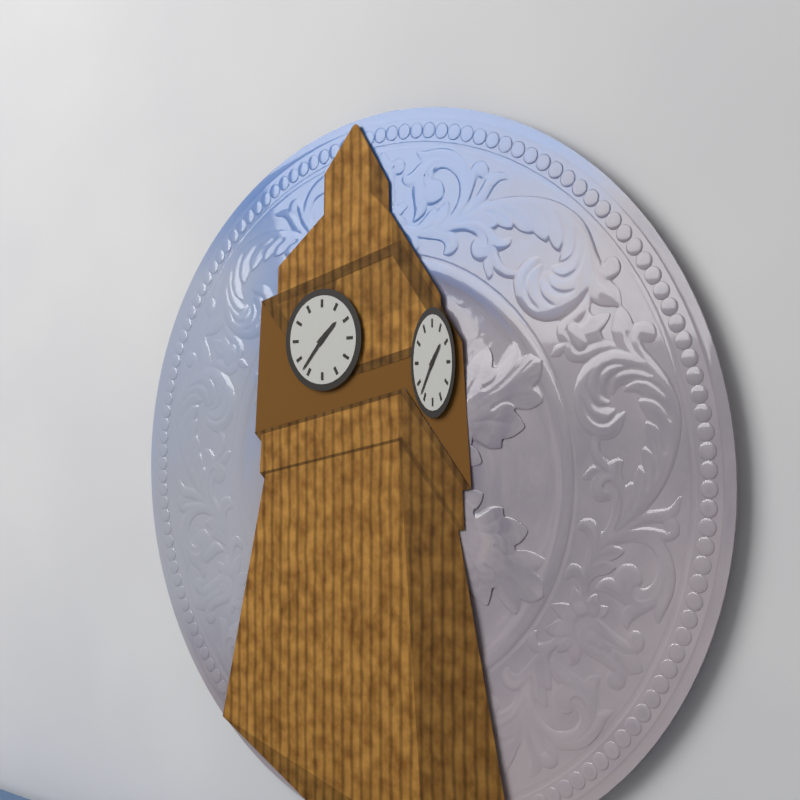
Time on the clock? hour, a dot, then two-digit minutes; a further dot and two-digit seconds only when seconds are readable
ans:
1.37
